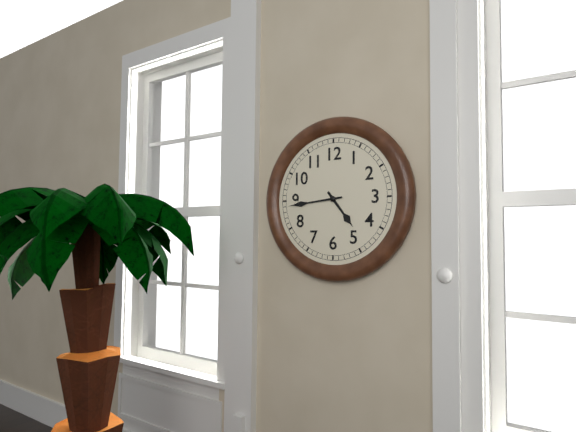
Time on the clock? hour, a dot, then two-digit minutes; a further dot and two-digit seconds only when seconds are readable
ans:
4.44
